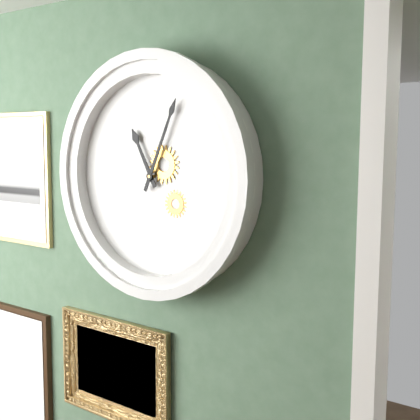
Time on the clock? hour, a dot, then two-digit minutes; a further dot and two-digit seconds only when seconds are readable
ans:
11.04
